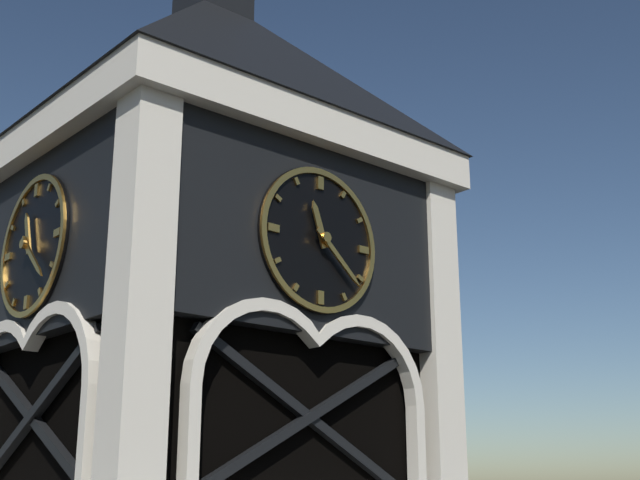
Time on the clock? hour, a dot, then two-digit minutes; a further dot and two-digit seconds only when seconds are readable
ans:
11.22
